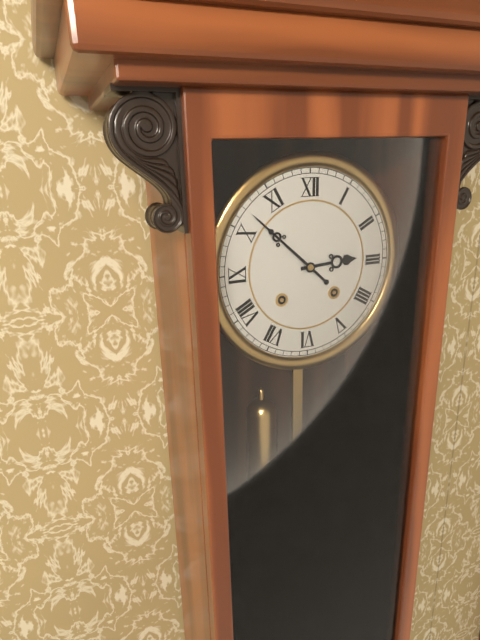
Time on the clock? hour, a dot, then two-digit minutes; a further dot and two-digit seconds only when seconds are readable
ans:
2.52
